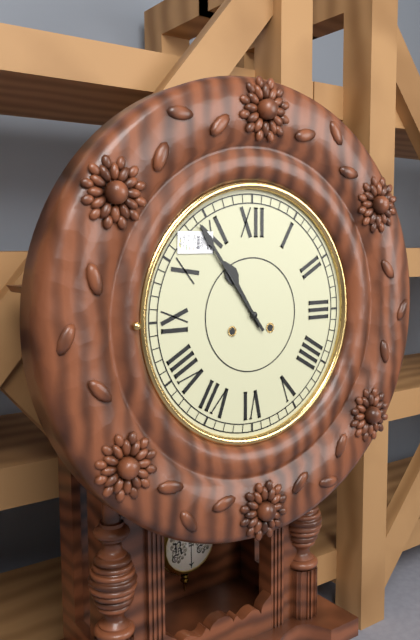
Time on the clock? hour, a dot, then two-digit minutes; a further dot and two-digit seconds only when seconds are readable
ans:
10.54
